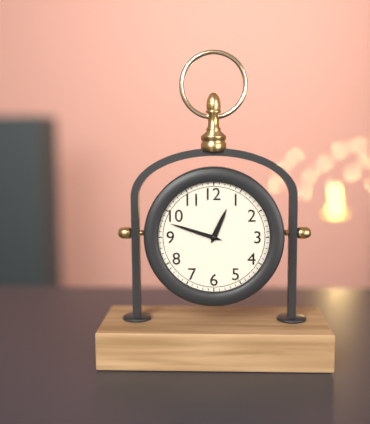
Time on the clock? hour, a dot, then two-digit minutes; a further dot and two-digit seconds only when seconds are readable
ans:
12.48
